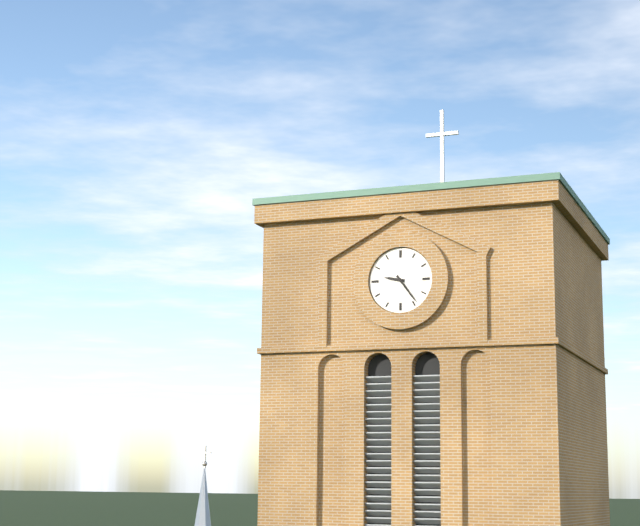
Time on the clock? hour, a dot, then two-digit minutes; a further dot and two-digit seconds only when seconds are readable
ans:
9.24
